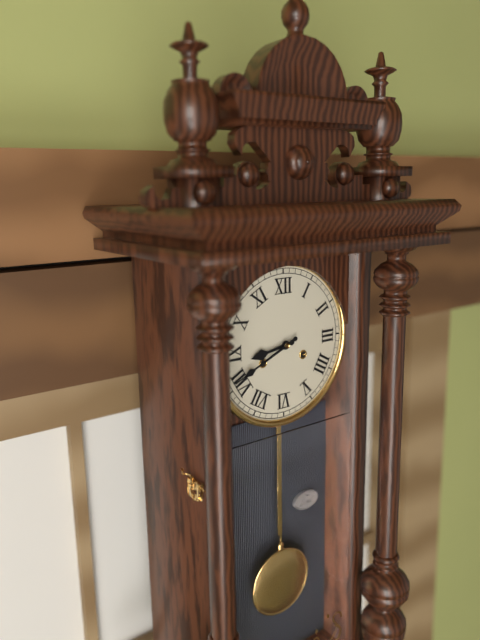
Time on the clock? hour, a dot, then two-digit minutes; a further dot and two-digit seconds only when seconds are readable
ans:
8.41
